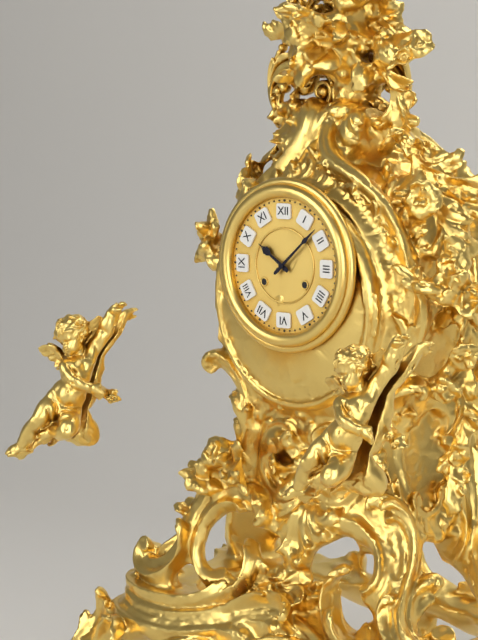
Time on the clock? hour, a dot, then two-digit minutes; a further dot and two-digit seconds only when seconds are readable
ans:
10.08
